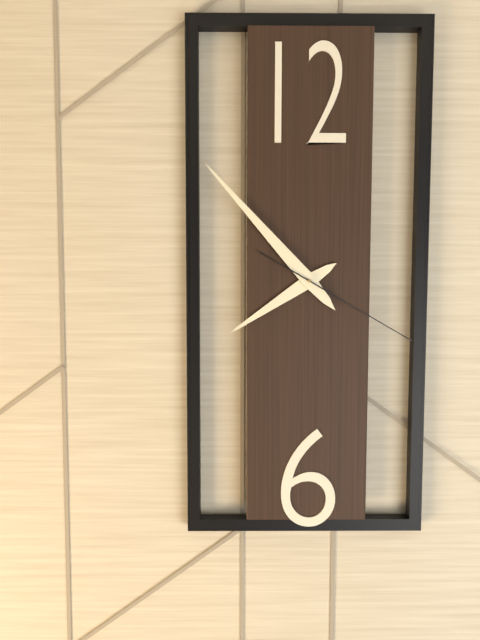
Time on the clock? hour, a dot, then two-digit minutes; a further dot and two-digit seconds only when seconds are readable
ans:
7.53.20
